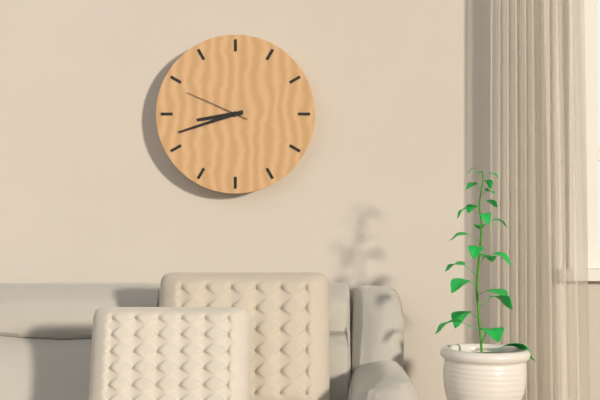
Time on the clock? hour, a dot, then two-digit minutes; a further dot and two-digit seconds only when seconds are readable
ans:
8.42.49
